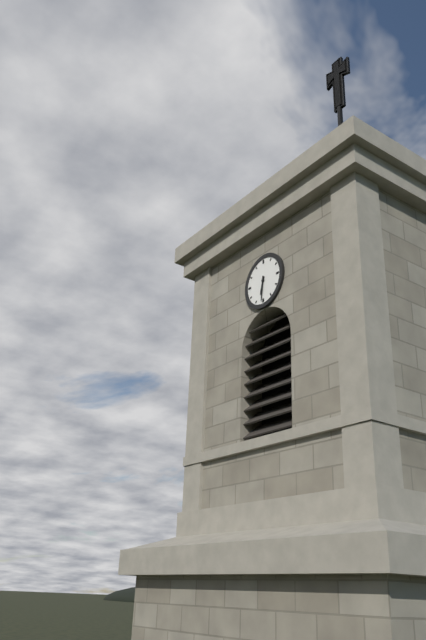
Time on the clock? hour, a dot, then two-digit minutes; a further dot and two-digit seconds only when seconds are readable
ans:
6.31
